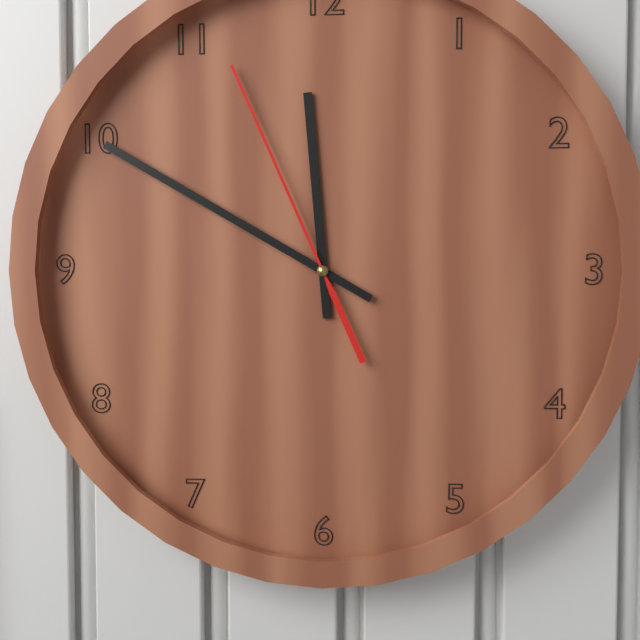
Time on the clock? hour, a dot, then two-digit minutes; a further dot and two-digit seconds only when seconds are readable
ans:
11.50.56
